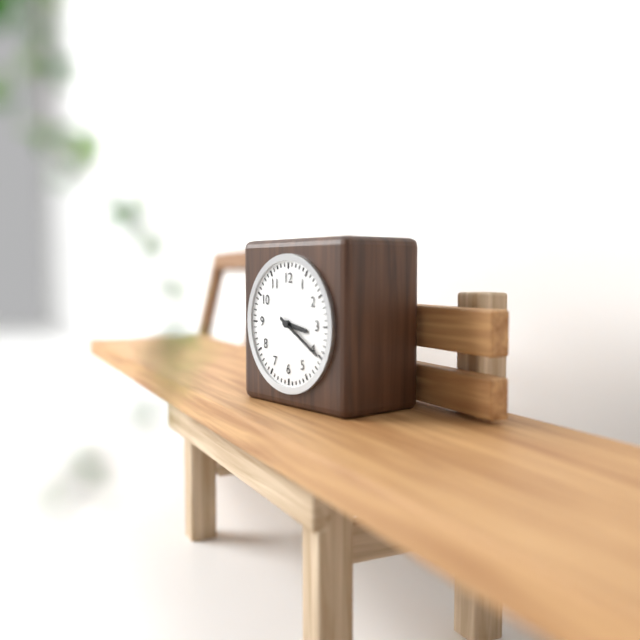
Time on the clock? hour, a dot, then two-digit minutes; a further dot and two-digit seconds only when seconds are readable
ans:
3.20
